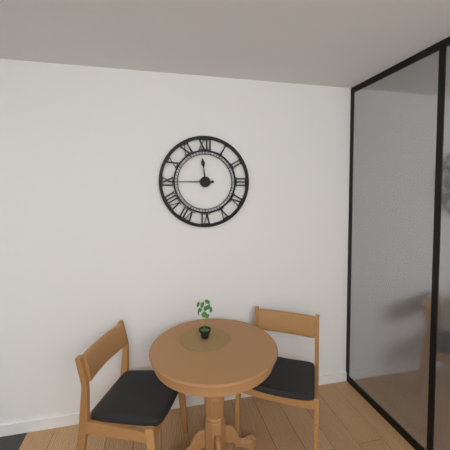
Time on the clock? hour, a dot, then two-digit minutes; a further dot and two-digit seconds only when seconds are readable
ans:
11.45
